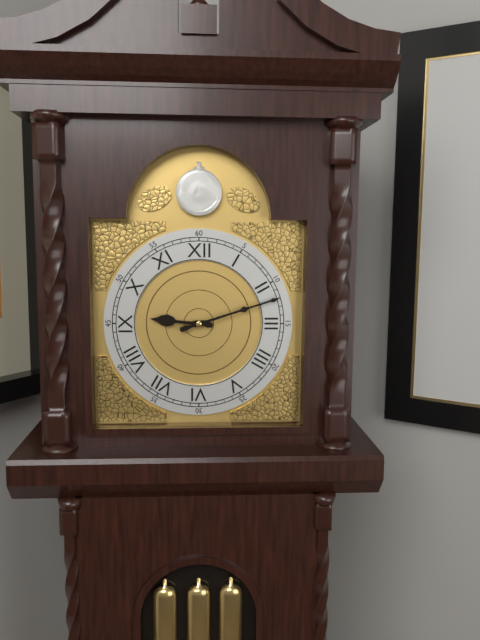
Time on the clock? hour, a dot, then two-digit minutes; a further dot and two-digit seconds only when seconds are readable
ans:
9.12
